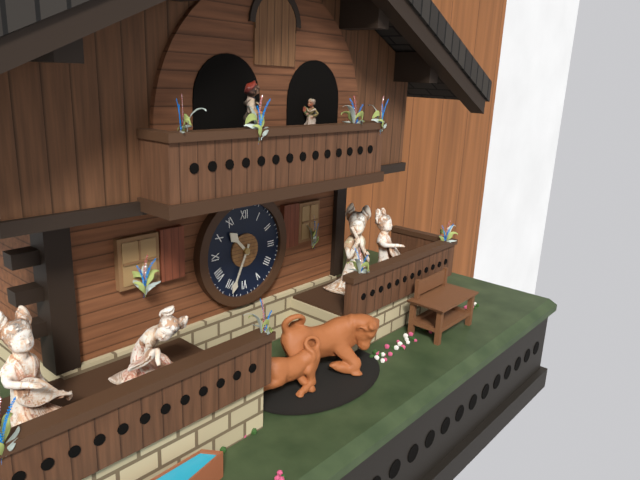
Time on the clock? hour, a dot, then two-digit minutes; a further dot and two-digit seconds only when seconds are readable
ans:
10.34
